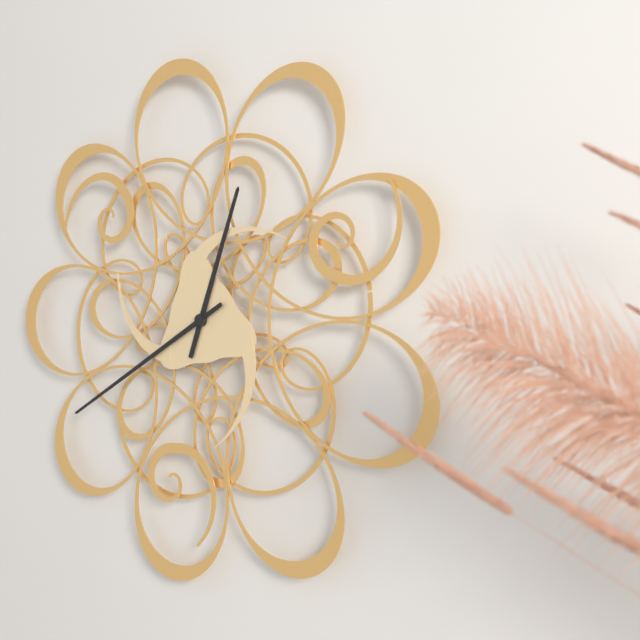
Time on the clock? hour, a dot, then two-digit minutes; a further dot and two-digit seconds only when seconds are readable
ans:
12.40
